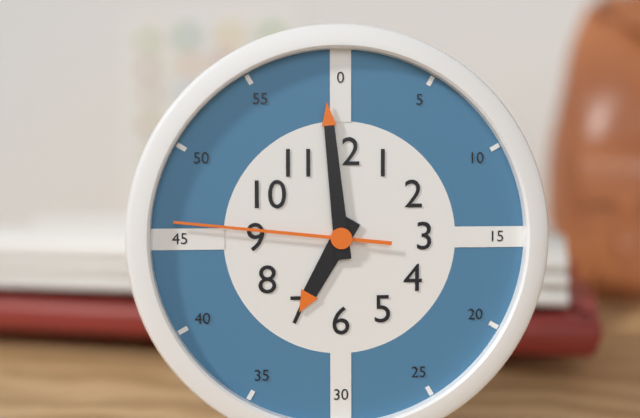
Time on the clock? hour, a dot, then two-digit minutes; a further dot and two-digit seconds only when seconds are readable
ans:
6.59.46
